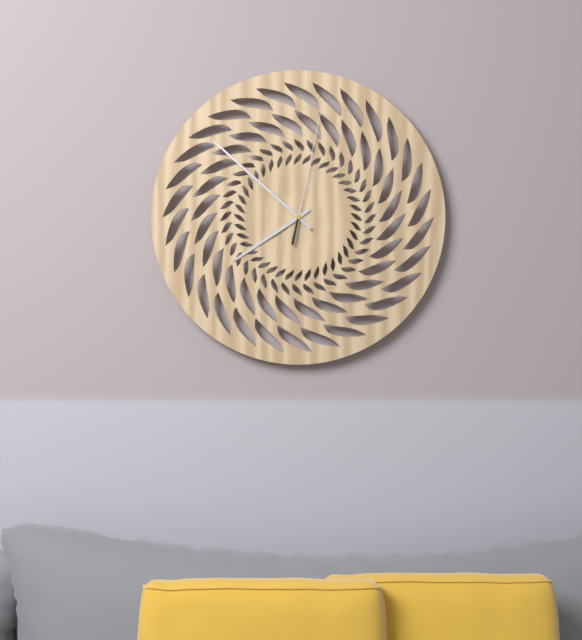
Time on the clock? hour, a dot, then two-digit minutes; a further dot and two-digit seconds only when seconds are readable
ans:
7.52.02
